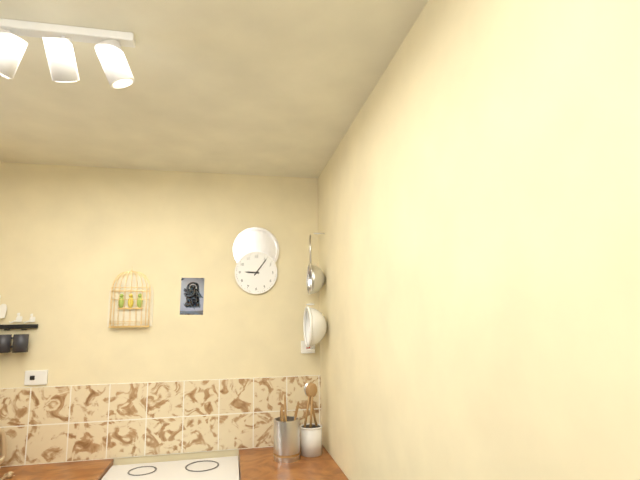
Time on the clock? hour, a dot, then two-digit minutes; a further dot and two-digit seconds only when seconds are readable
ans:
9.06
